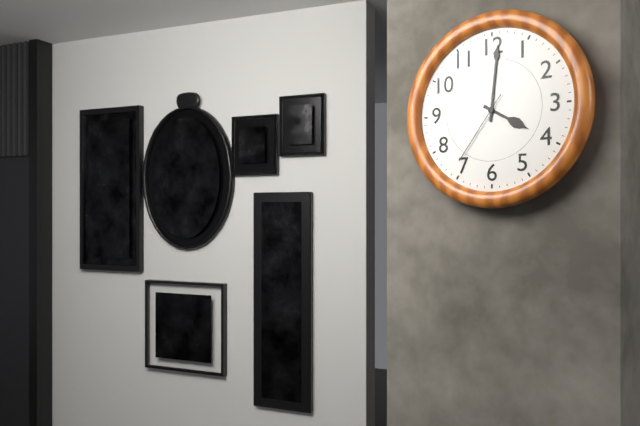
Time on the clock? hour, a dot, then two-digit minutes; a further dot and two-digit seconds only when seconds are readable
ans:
4.01.36
